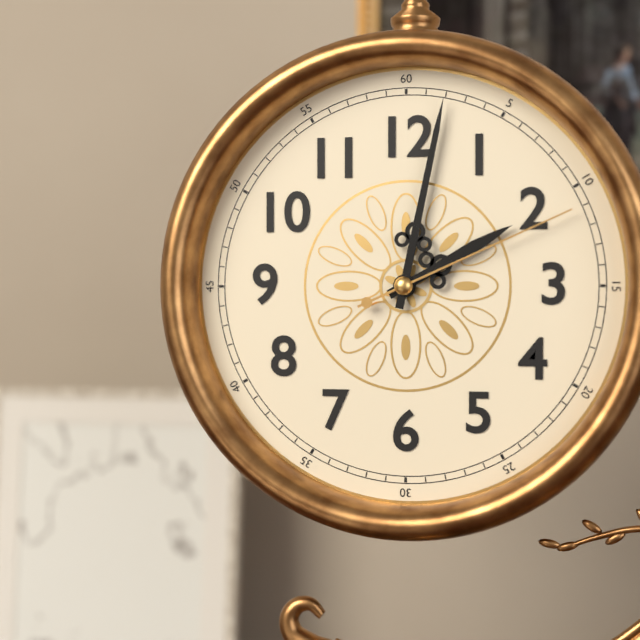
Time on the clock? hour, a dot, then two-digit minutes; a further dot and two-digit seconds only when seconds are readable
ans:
2.02.11
